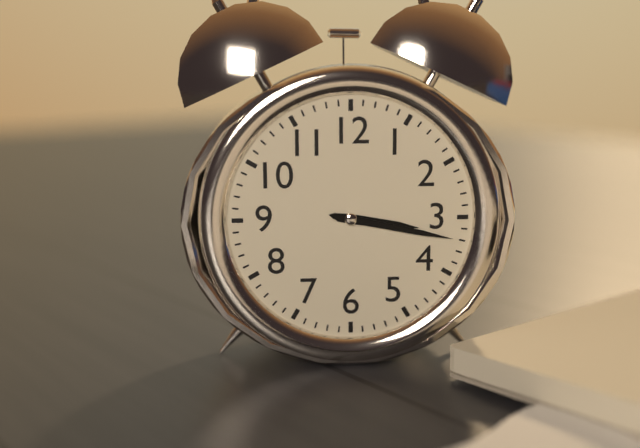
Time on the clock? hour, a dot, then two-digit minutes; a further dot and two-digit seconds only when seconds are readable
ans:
3.17
